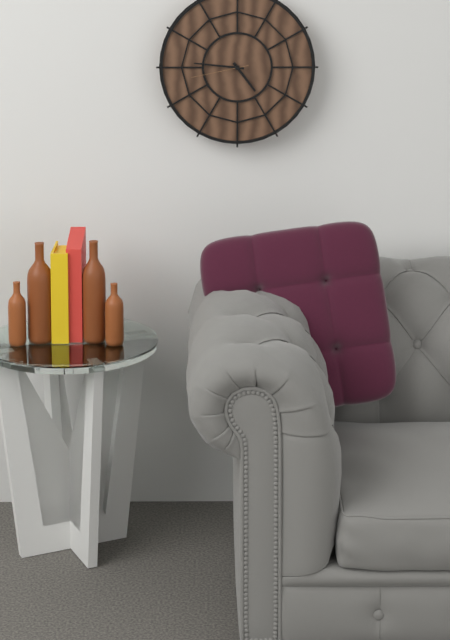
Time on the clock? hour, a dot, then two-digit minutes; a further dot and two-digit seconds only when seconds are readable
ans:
4.46.43
